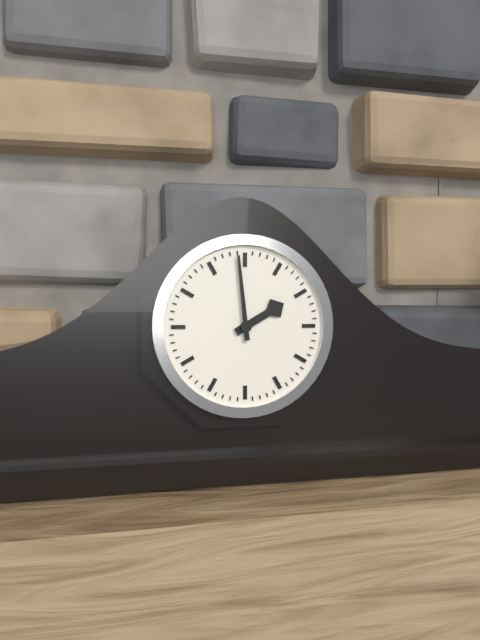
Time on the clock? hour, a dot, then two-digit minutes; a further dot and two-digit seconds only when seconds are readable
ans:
1.59
